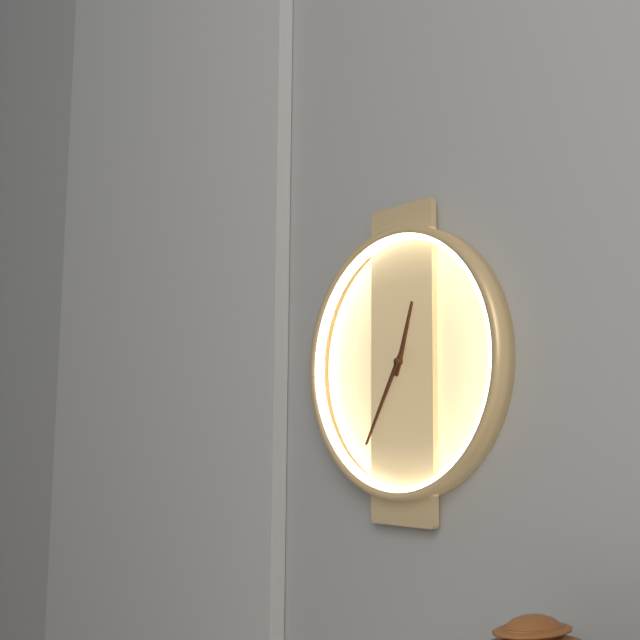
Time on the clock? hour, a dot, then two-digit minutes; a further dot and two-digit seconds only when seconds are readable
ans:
12.35
